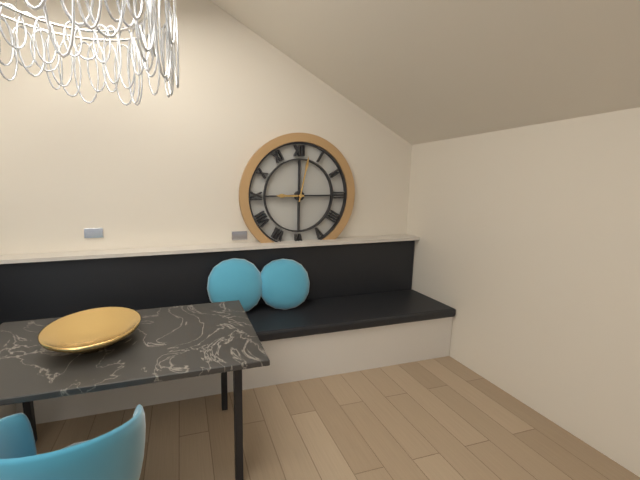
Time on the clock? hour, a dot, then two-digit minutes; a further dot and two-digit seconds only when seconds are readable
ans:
9.02
